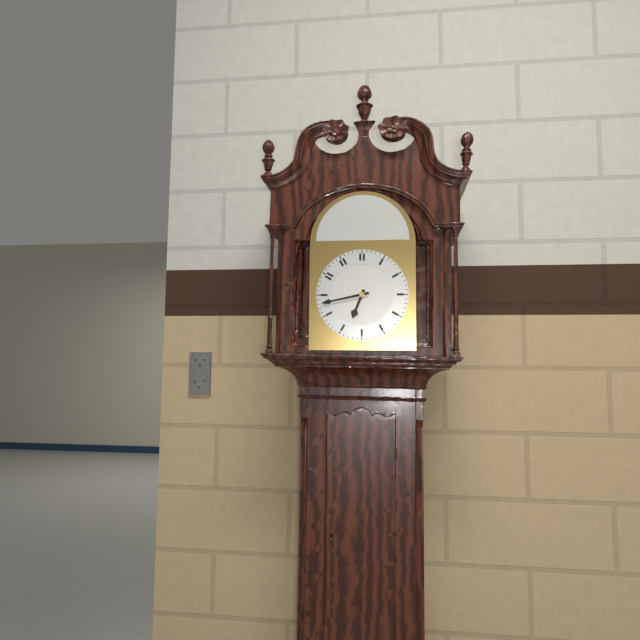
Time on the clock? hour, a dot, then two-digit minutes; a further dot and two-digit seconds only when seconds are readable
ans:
6.43
